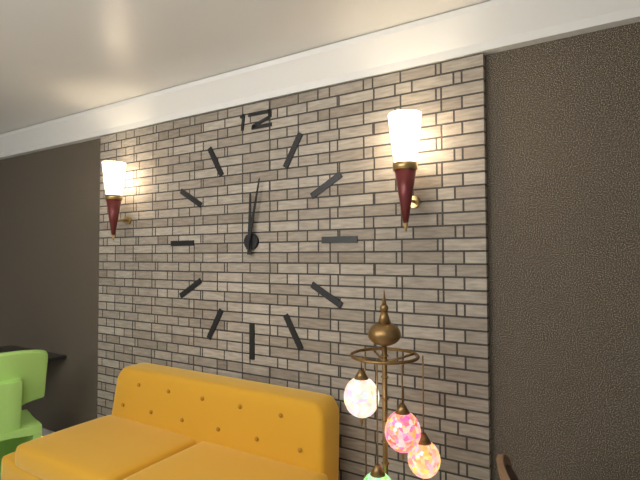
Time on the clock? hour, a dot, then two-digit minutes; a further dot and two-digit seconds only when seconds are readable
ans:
12.02
